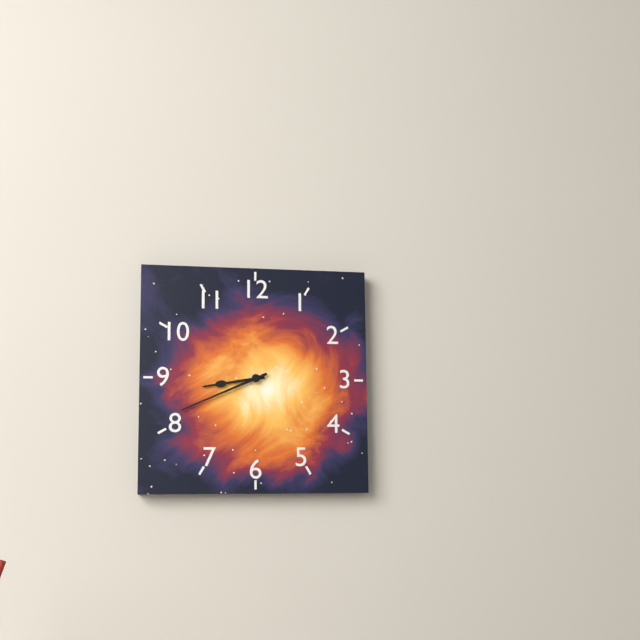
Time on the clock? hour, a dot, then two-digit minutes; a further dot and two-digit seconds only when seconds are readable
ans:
8.41
